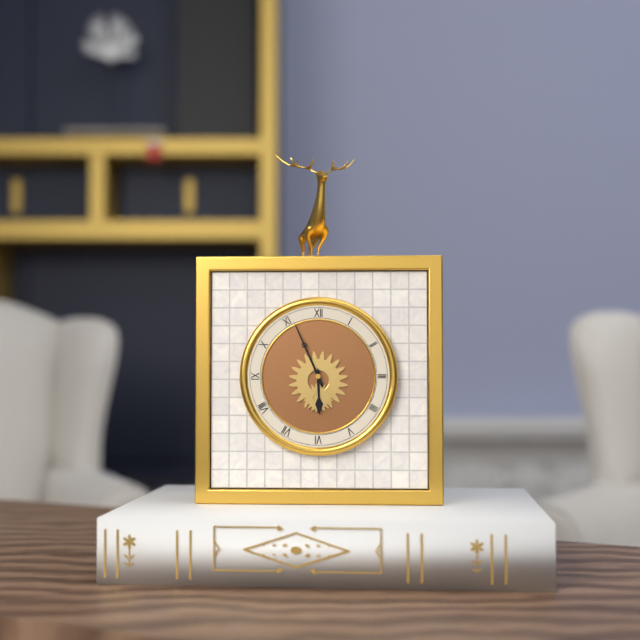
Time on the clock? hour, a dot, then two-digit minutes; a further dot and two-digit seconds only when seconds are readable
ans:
5.56
